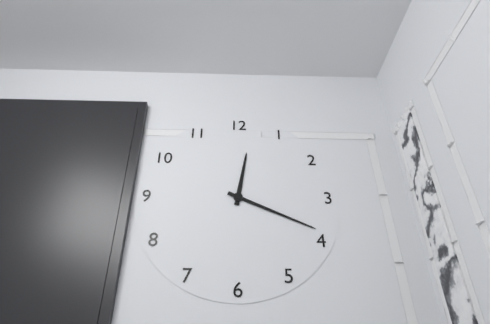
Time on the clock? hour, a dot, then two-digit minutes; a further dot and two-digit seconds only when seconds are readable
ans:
12.19
